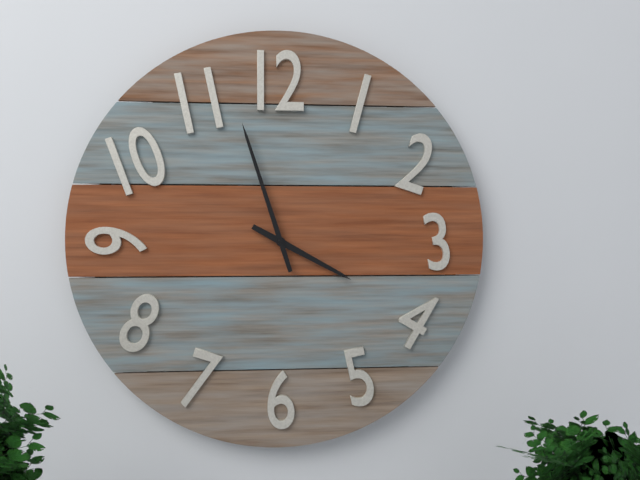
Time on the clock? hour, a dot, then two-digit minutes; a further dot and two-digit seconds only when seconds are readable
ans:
3.57
